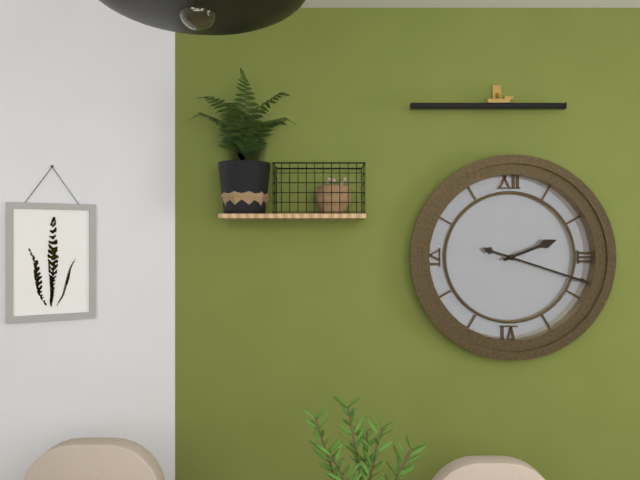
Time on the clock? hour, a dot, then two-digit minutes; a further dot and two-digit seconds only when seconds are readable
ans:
2.18
